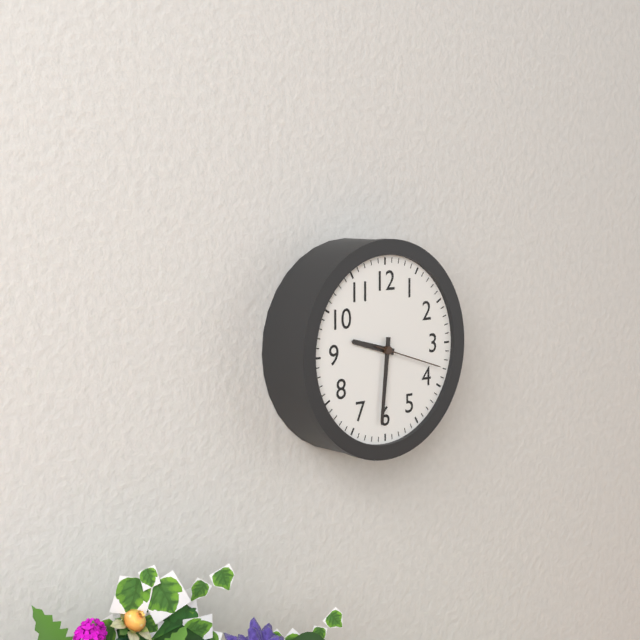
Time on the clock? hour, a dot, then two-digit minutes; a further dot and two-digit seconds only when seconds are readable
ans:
9.31.18
